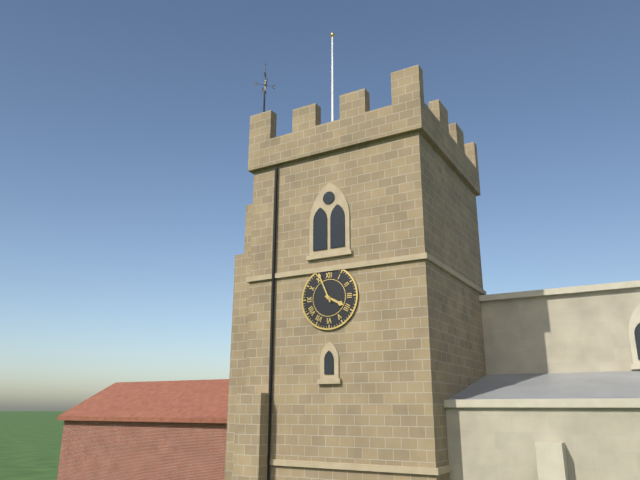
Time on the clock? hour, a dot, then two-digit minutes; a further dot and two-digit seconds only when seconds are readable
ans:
3.56
